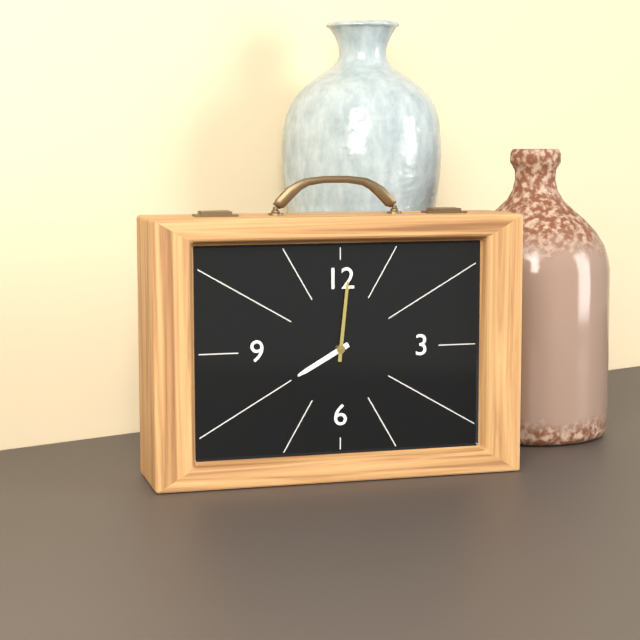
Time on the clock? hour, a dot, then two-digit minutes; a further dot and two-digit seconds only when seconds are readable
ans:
8.01
